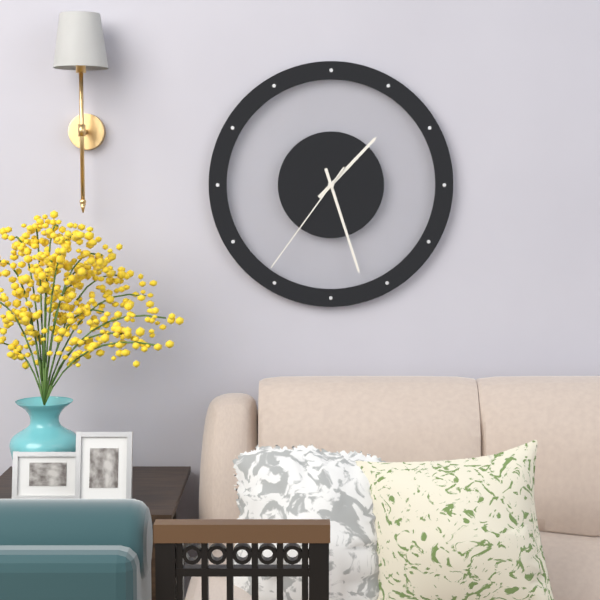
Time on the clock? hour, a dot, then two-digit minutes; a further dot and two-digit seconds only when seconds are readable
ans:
1.27.36
